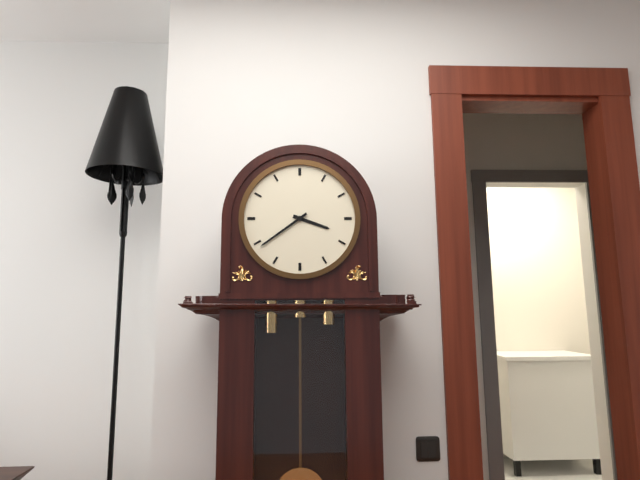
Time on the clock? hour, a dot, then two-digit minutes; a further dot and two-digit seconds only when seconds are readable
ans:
3.39
